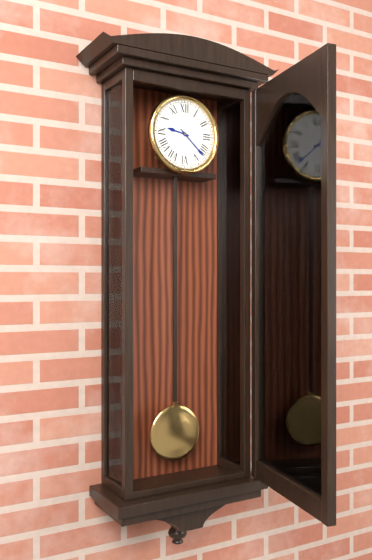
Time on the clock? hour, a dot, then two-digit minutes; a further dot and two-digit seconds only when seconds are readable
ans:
9.22
